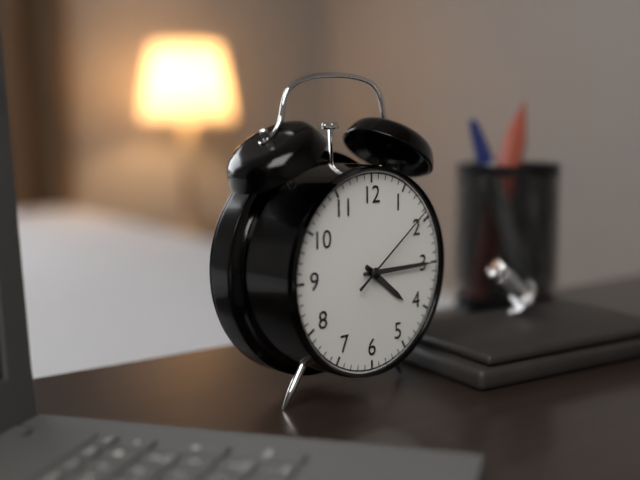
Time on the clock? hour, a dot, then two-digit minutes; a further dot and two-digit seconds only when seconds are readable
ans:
4.15.09
